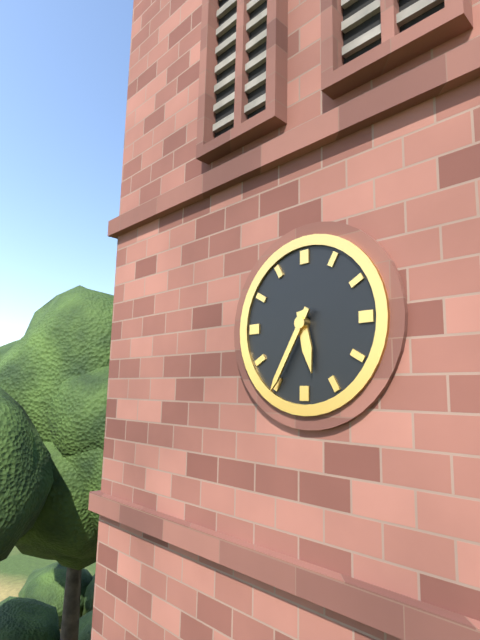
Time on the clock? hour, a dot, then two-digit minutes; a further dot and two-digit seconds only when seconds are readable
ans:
5.35
